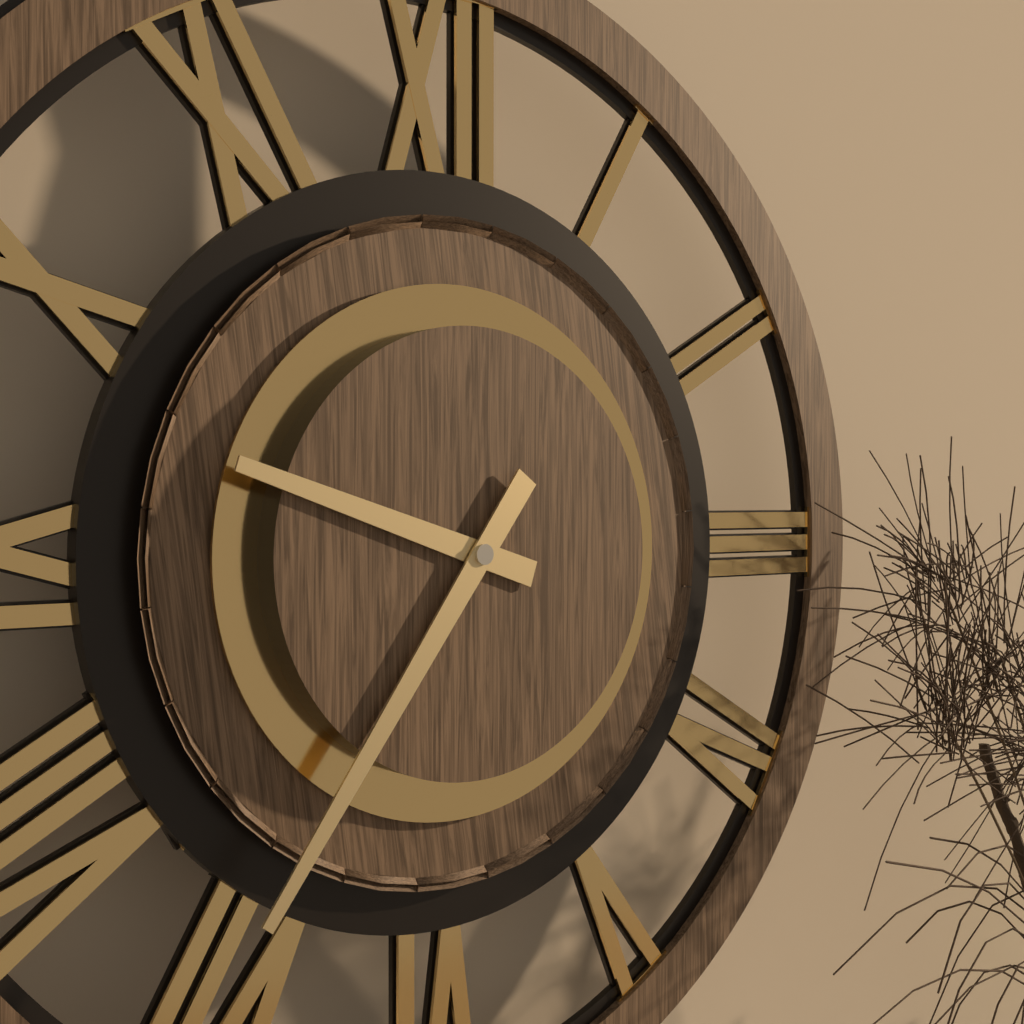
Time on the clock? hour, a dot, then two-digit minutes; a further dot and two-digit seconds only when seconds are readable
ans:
9.36
